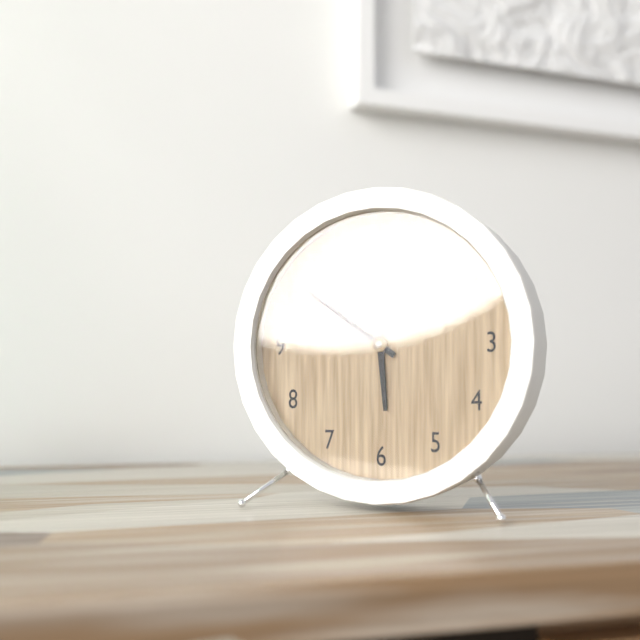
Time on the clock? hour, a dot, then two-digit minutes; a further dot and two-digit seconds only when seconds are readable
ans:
5.51
